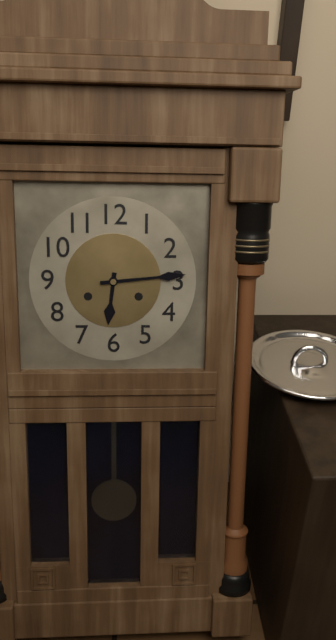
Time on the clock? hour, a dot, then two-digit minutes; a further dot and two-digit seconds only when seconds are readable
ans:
6.14
